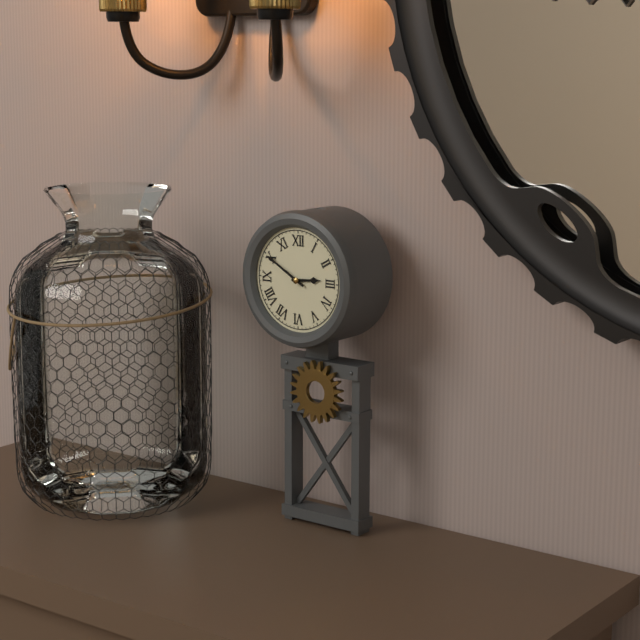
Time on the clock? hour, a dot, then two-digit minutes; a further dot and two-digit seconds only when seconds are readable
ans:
2.50
